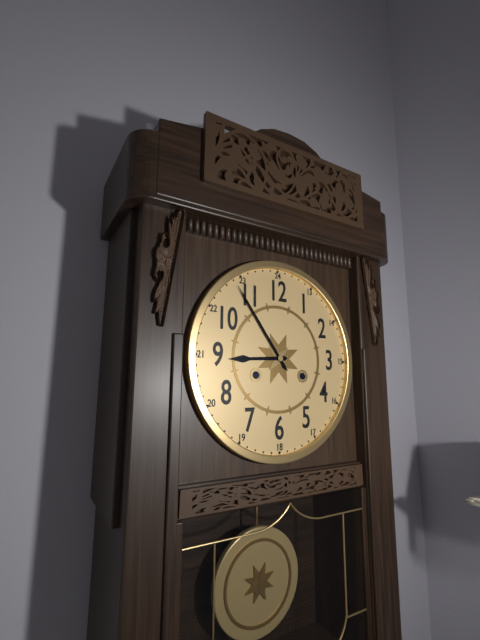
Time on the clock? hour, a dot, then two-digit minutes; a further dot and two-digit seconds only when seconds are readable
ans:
8.54
